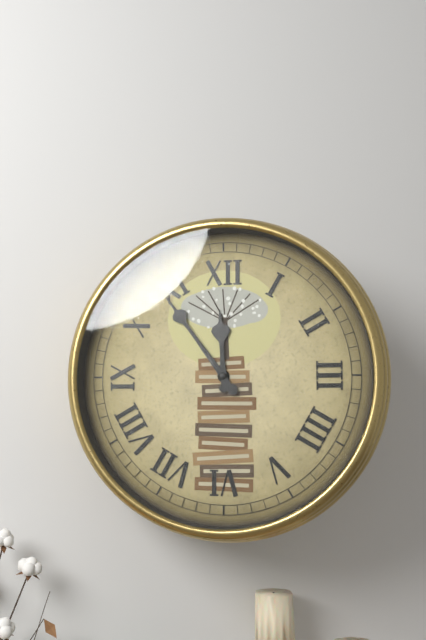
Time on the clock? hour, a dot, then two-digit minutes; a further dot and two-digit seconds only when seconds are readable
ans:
11.54
